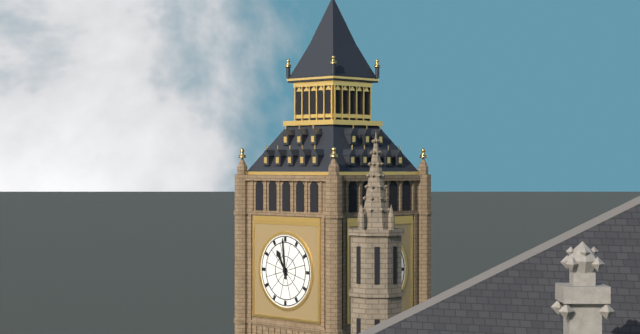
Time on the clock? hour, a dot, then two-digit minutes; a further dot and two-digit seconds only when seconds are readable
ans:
10.59
